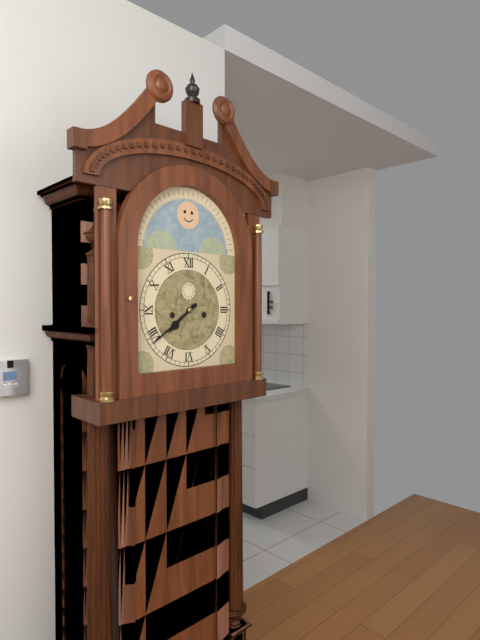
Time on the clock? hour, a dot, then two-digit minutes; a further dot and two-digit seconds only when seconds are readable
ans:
7.39
